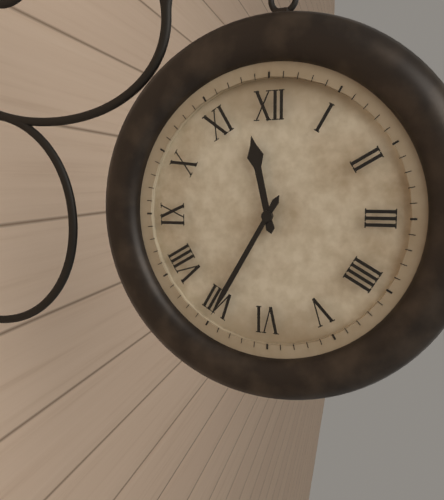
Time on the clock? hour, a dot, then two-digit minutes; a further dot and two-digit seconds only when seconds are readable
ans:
11.35
